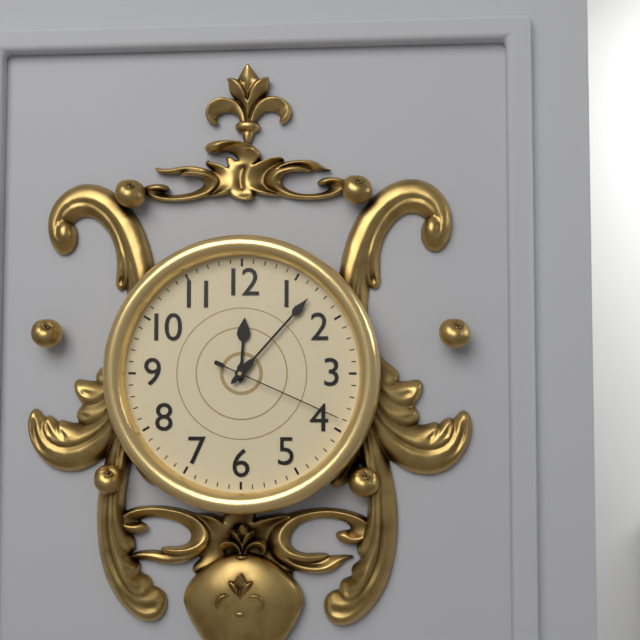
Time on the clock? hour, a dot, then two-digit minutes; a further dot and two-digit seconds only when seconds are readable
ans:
12.07.19
